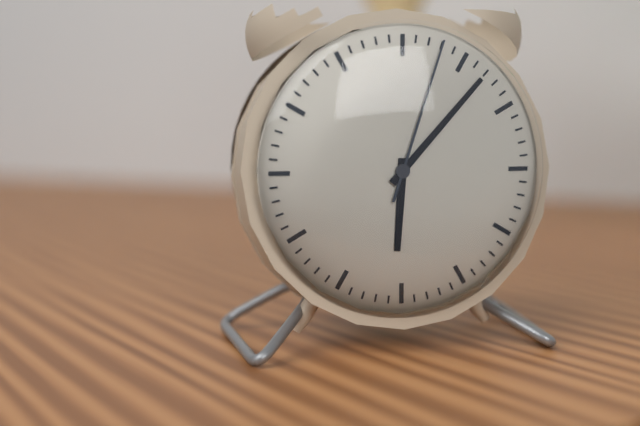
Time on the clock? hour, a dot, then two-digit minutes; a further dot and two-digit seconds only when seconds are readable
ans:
6.07.03
